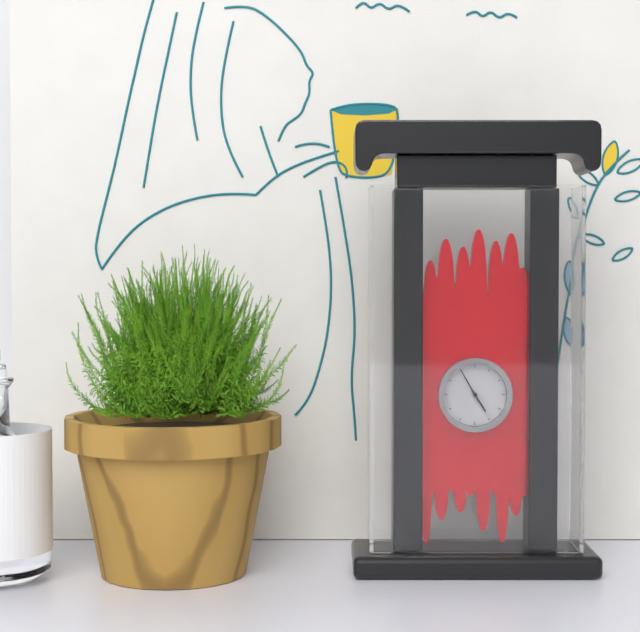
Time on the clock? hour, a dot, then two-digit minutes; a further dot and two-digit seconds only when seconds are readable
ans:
4.55
